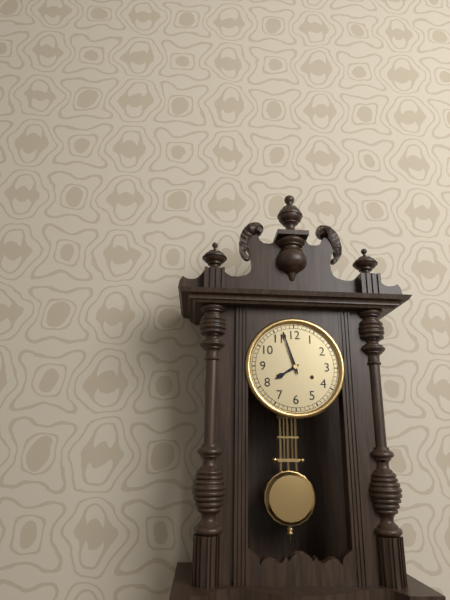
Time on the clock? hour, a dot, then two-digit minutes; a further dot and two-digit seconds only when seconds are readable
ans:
7.57
